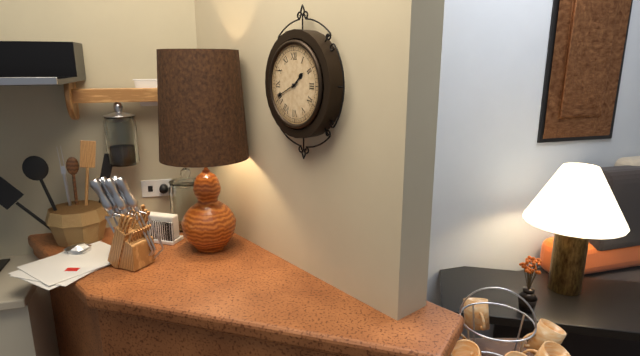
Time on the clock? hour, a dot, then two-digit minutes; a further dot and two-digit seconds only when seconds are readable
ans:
1.41
